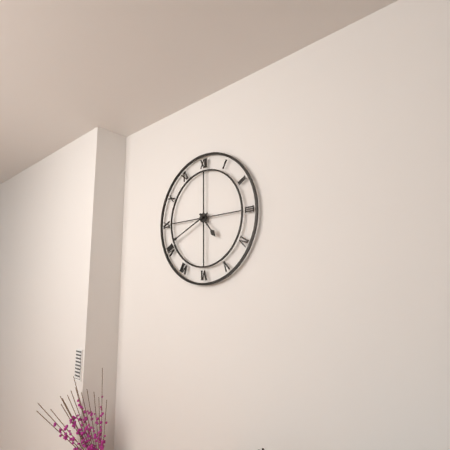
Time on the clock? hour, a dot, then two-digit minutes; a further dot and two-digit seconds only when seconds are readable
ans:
4.41
